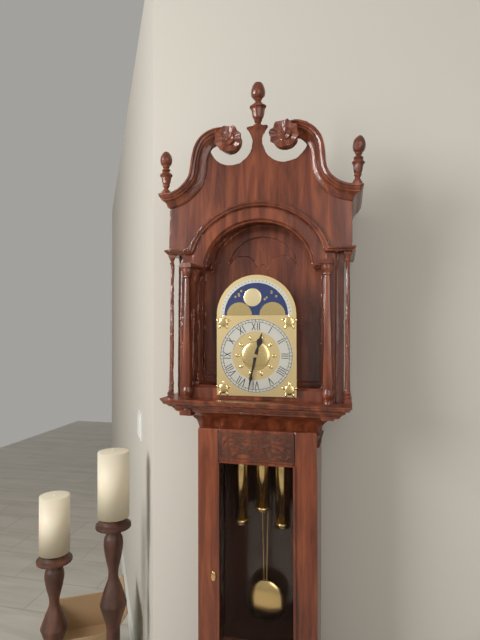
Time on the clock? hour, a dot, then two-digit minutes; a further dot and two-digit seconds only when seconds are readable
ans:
12.32
